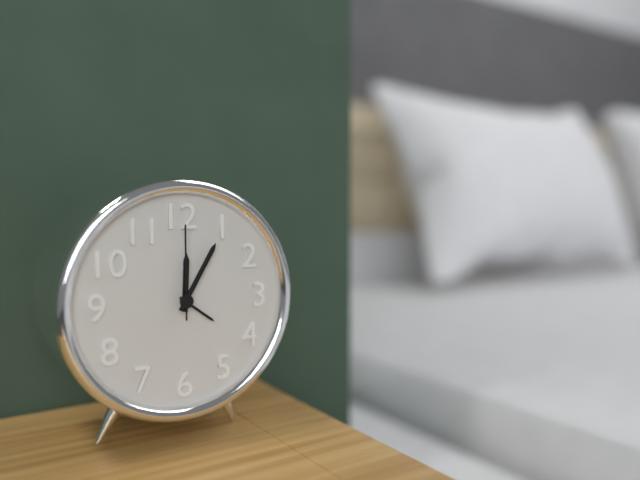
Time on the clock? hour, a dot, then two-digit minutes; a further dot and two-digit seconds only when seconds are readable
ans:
12.05.00
